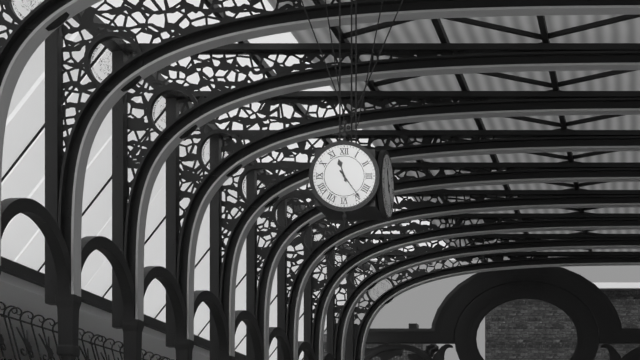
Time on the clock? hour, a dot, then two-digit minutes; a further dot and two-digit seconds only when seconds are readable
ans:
11.24
